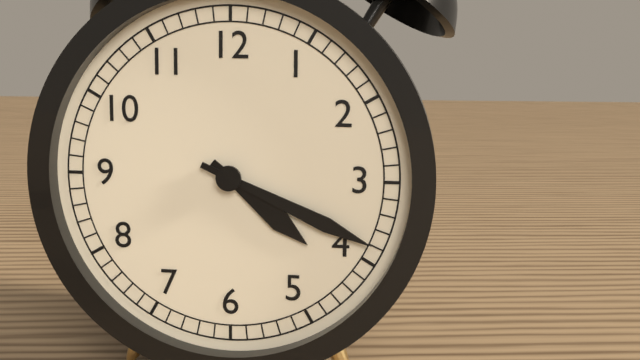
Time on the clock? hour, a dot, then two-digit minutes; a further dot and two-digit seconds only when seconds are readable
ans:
4.19
